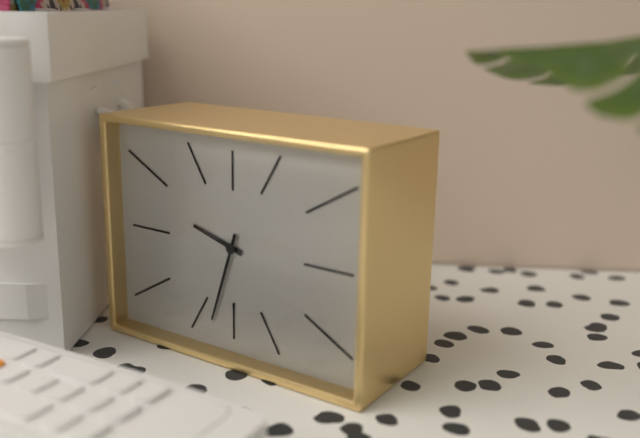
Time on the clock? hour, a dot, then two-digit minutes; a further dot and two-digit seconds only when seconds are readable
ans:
9.33
